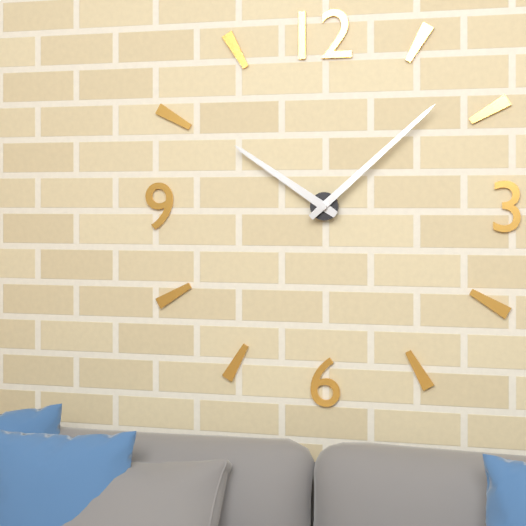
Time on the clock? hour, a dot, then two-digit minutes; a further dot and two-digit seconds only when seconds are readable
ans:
10.08
